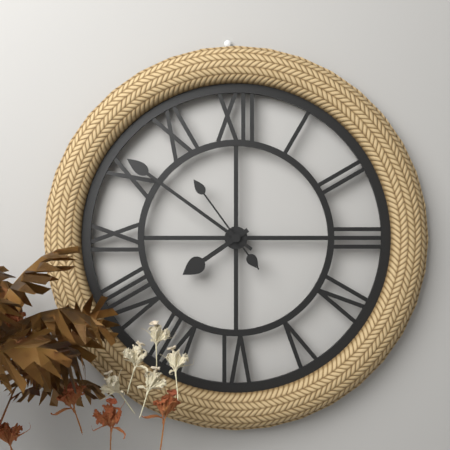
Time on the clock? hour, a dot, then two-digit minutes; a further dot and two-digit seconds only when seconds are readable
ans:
7.51.54
